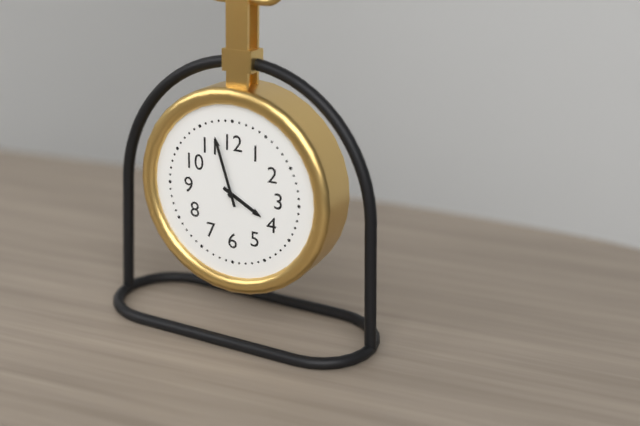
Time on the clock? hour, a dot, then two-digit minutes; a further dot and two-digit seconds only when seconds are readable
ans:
3.57
